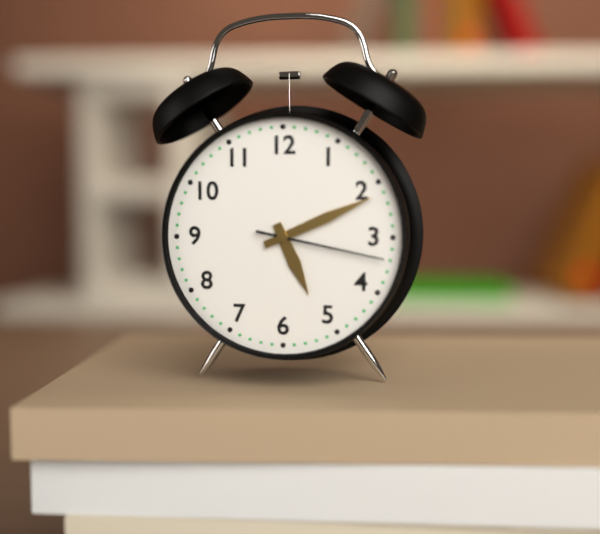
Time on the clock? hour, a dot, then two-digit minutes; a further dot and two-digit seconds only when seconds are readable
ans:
5.11.17
